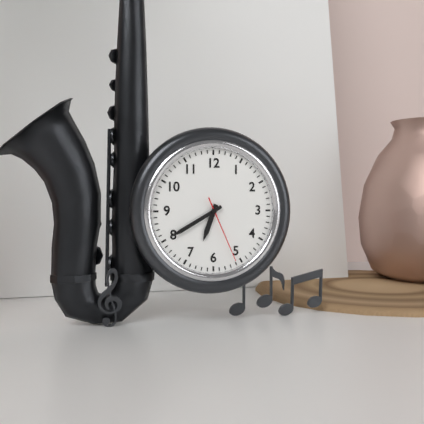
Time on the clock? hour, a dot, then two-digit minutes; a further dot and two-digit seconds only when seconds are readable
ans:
6.40.26
